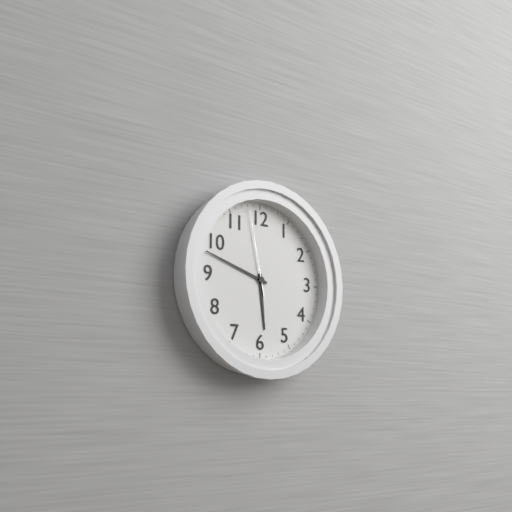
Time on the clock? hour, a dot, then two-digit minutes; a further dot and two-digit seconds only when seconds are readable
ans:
5.48.58
